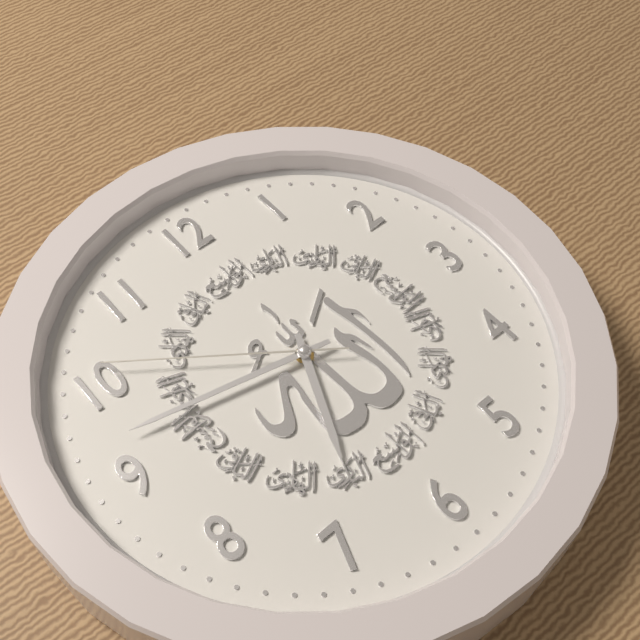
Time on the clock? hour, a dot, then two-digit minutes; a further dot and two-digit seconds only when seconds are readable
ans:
6.47.51
